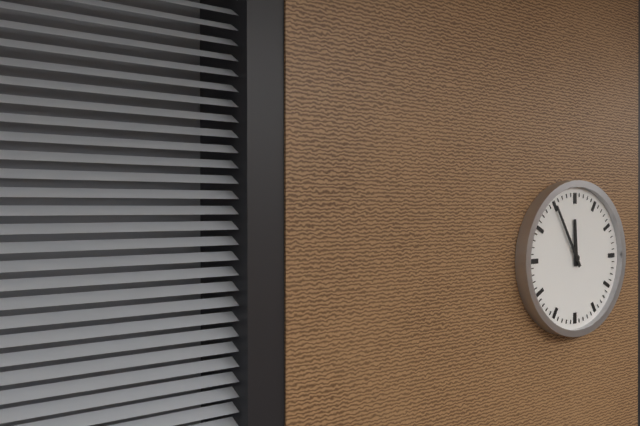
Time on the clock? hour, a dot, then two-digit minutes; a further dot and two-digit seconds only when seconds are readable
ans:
11.55
